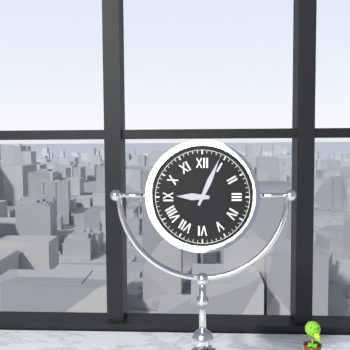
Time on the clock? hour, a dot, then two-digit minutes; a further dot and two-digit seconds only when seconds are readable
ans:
9.04
